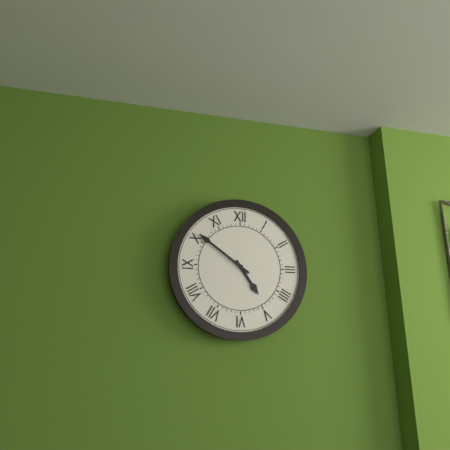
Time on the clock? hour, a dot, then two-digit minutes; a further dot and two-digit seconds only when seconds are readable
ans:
4.51
